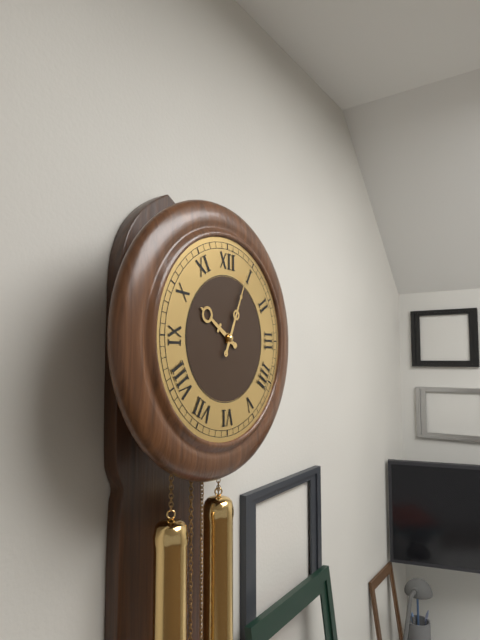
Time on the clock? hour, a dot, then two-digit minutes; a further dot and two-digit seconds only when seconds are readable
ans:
10.04
